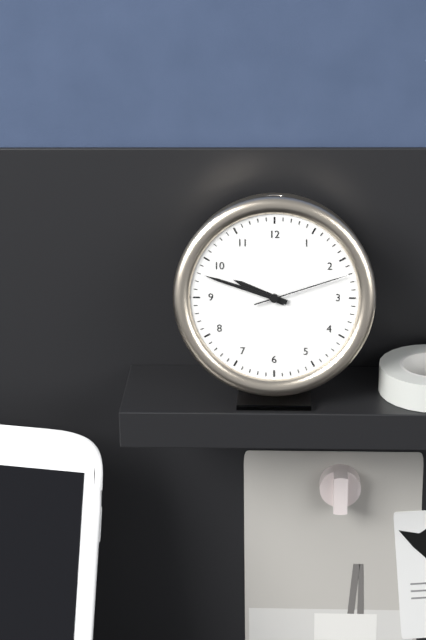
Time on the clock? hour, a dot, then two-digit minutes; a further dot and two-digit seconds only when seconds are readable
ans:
9.48.12
